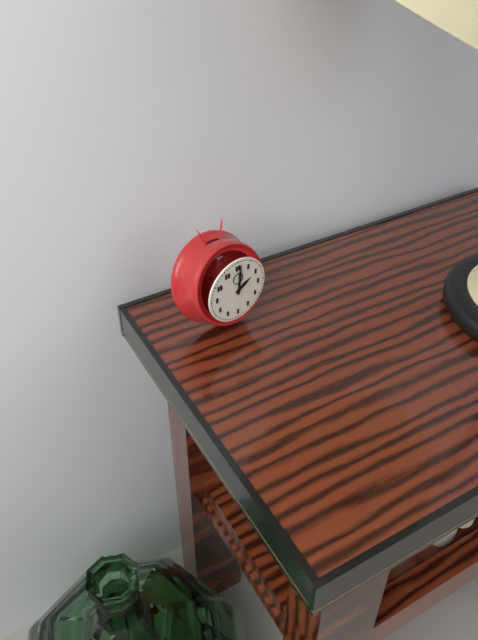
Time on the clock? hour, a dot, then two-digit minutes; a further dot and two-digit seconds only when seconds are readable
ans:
2.01
